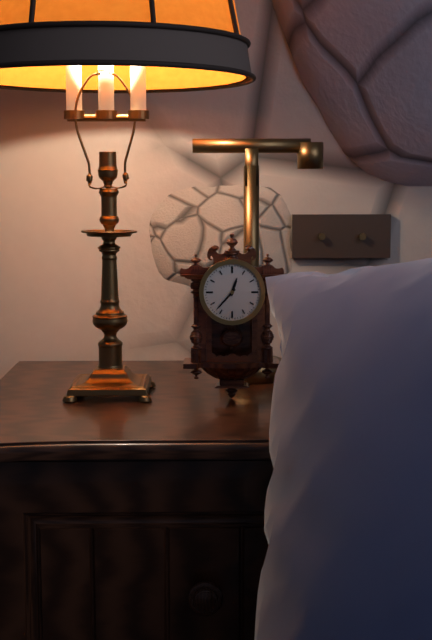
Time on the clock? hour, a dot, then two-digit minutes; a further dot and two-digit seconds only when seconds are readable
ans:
12.37
